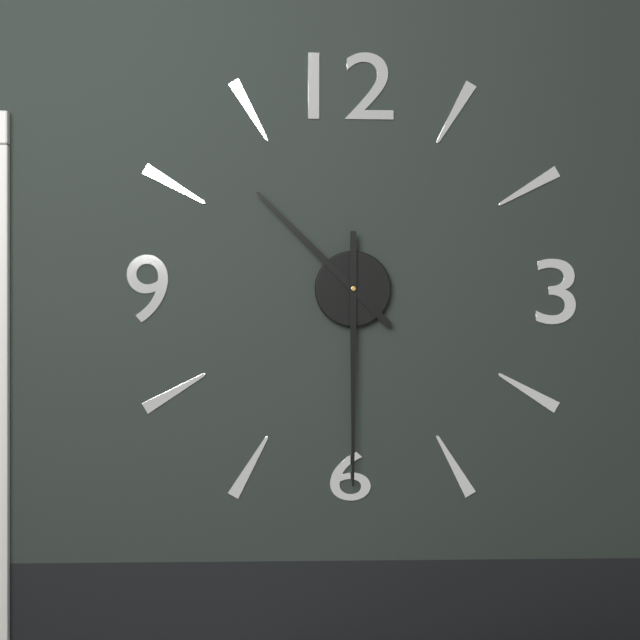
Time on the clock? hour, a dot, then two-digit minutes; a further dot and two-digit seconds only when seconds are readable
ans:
10.30
